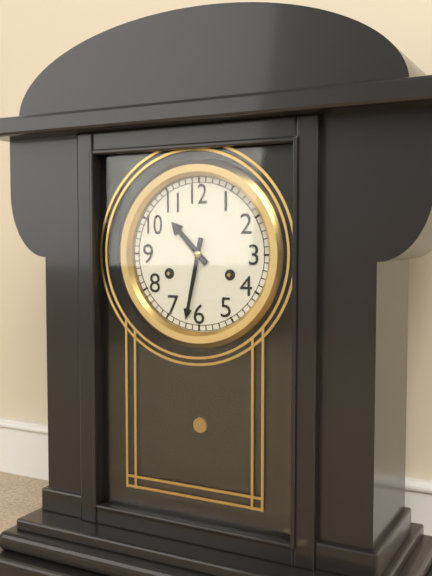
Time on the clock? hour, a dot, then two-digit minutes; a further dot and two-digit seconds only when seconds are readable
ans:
10.32
